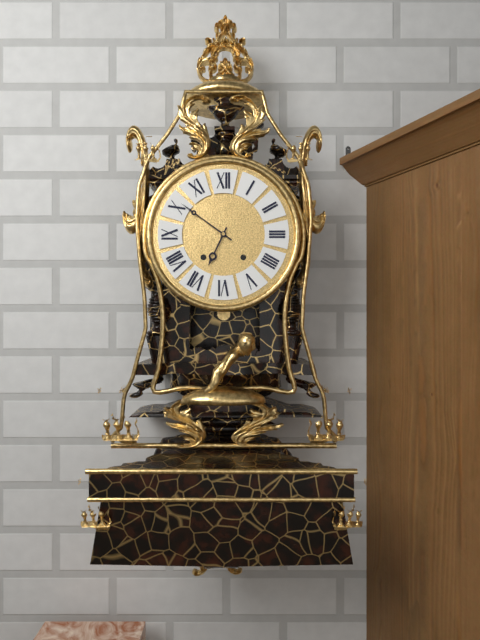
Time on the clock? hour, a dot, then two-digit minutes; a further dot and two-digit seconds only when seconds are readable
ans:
6.51
